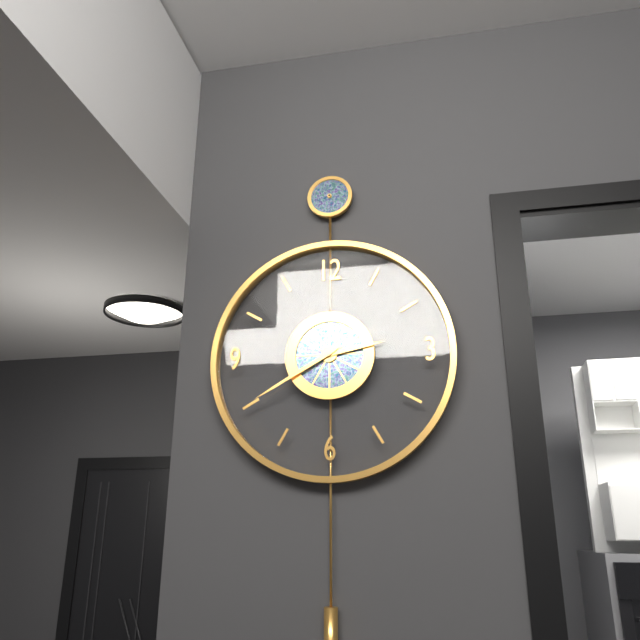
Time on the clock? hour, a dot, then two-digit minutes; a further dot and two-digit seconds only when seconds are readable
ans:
2.40
